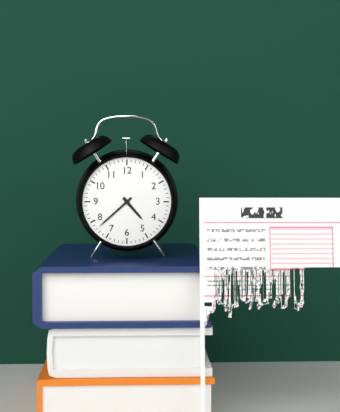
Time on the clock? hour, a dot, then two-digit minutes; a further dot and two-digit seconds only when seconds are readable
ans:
4.38
